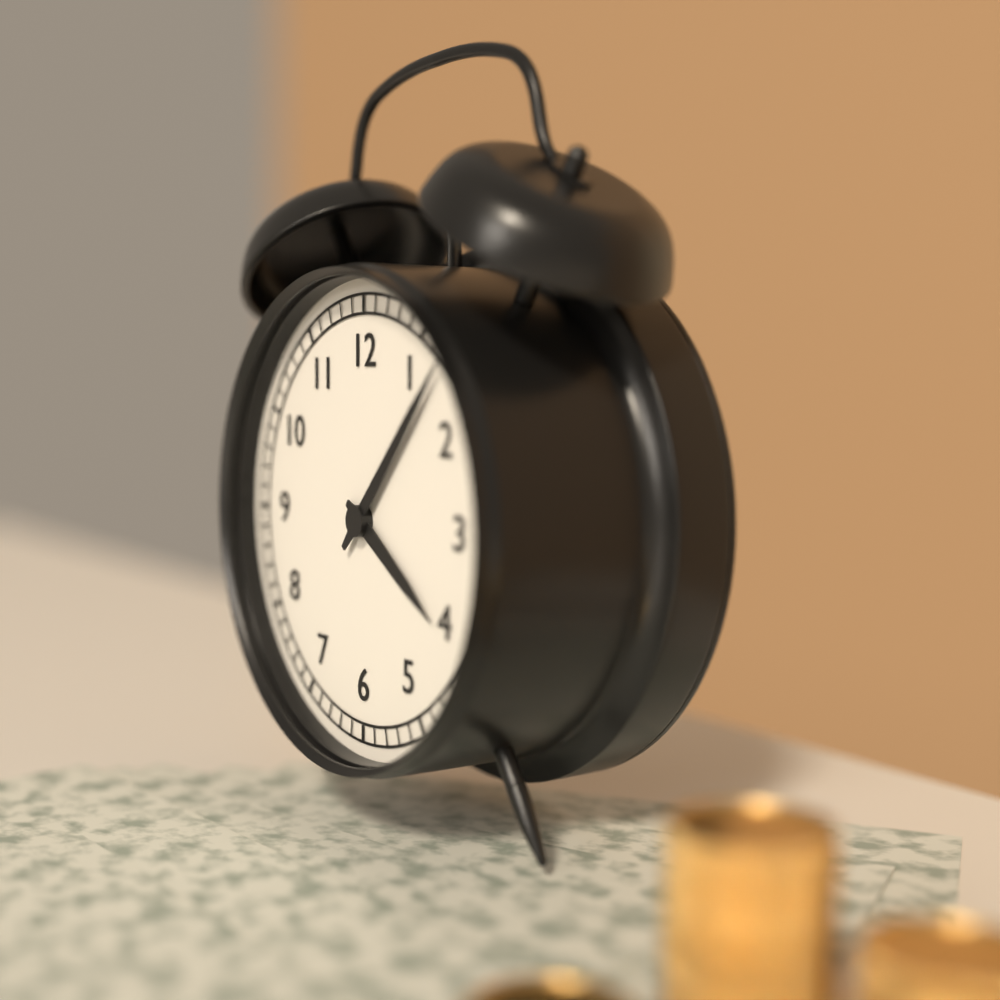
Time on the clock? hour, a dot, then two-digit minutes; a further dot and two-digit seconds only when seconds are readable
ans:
4.07
